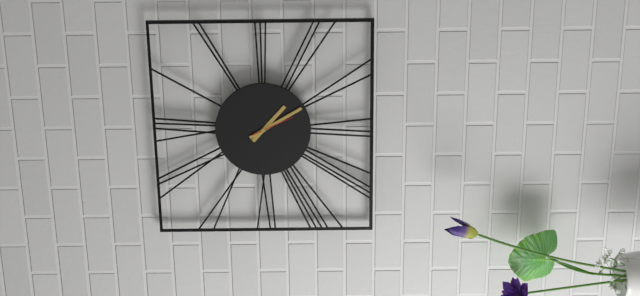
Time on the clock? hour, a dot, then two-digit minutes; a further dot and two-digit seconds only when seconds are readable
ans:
4.25
